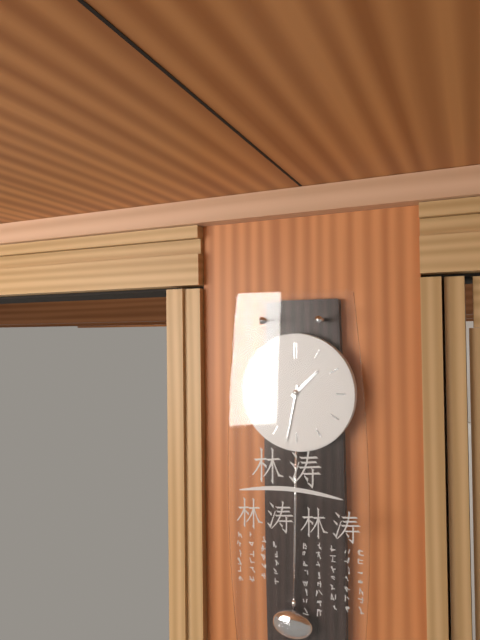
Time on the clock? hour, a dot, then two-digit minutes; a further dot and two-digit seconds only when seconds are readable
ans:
1.32
